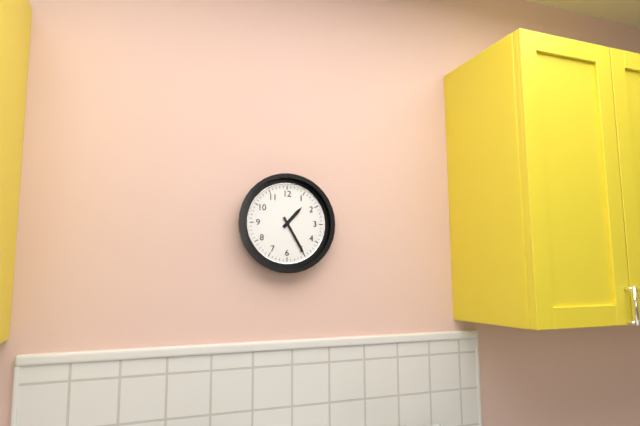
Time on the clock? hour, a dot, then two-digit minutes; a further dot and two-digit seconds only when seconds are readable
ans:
1.25
